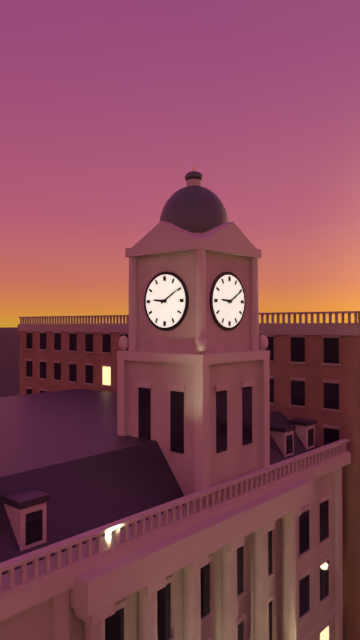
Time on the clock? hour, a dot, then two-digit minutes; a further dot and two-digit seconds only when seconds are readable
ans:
9.10
